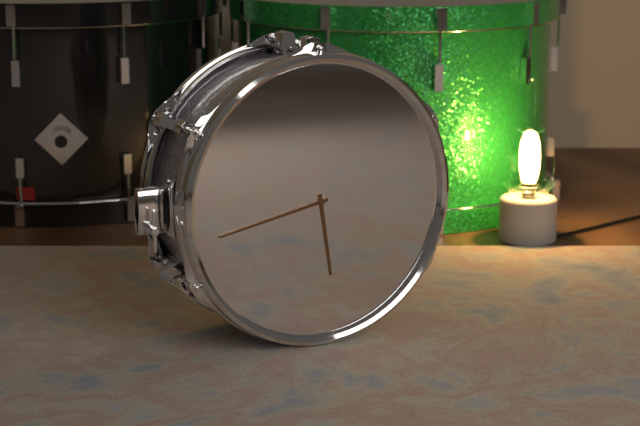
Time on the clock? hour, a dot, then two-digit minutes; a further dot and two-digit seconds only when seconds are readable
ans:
5.43
